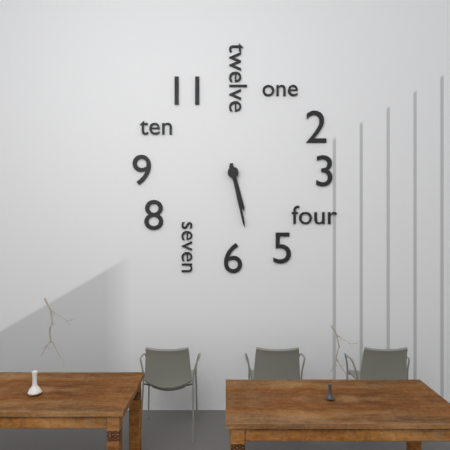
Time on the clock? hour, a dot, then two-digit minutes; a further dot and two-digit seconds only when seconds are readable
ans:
5.28
